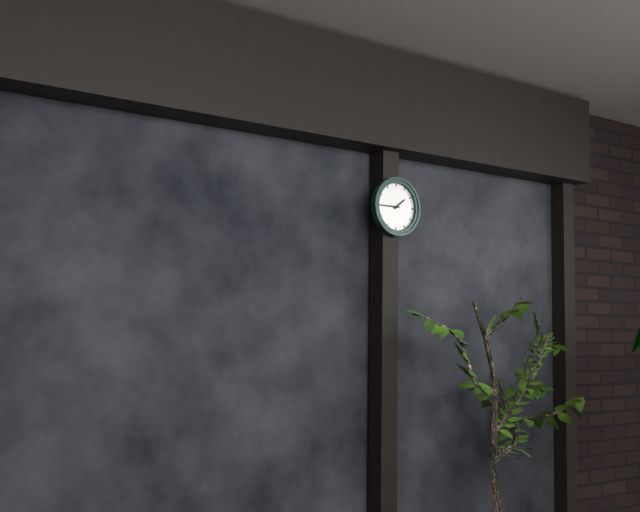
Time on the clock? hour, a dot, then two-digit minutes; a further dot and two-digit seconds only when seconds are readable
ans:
1.45
